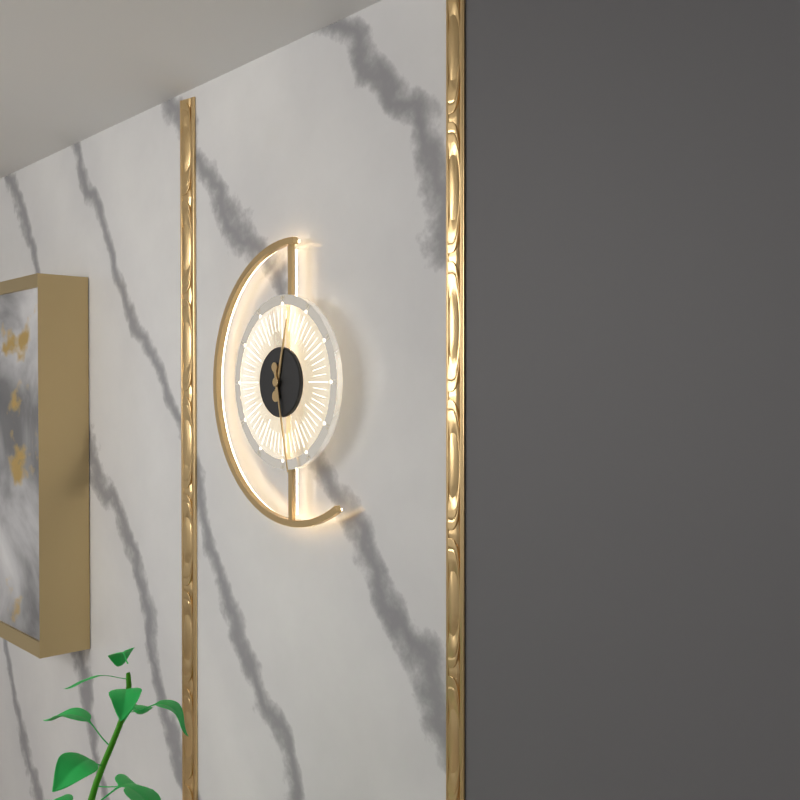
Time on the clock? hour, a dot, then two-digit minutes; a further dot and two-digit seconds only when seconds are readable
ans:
12.28
